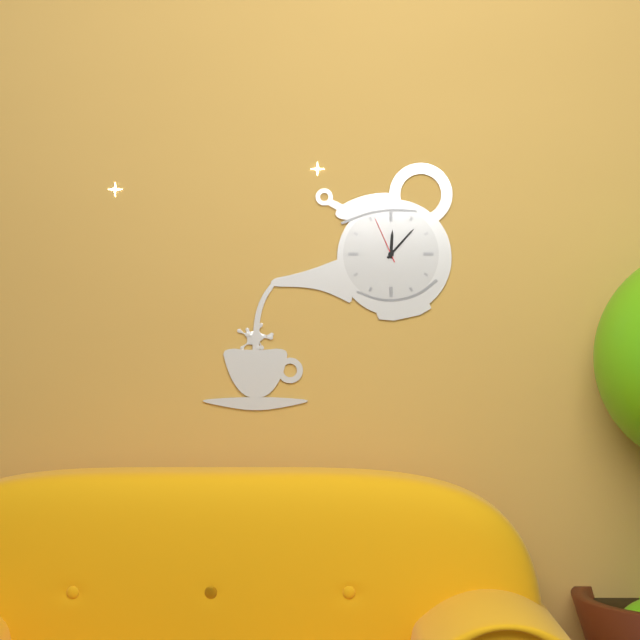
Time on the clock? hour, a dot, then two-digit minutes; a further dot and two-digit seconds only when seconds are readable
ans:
12.07
